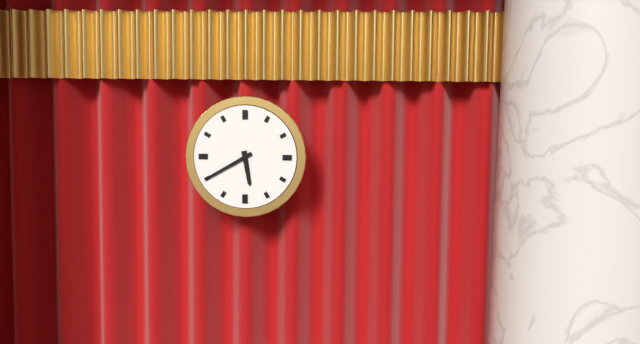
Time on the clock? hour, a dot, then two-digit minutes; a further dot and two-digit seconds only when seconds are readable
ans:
5.40
